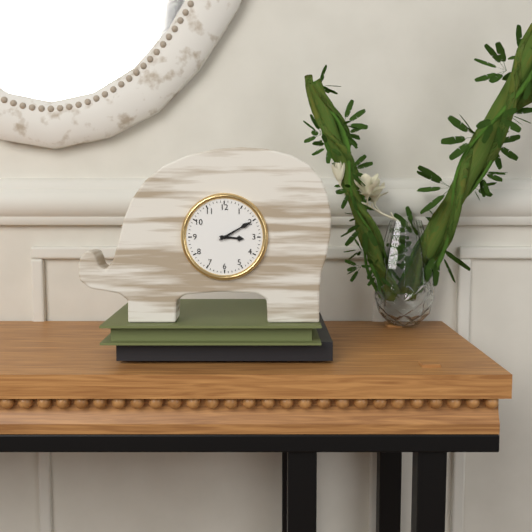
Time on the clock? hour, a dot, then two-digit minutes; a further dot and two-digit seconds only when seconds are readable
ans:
3.10
